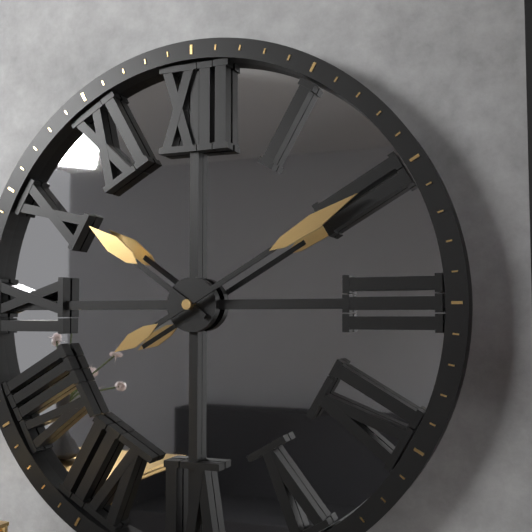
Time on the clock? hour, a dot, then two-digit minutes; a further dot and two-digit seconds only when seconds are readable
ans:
10.10
